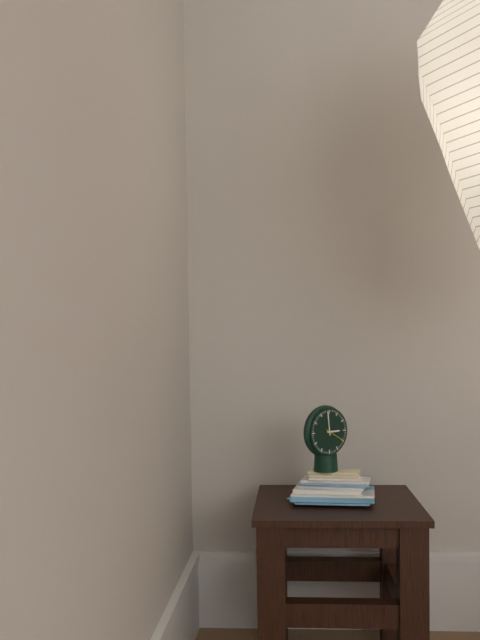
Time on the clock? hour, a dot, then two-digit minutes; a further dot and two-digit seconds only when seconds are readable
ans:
2.59
